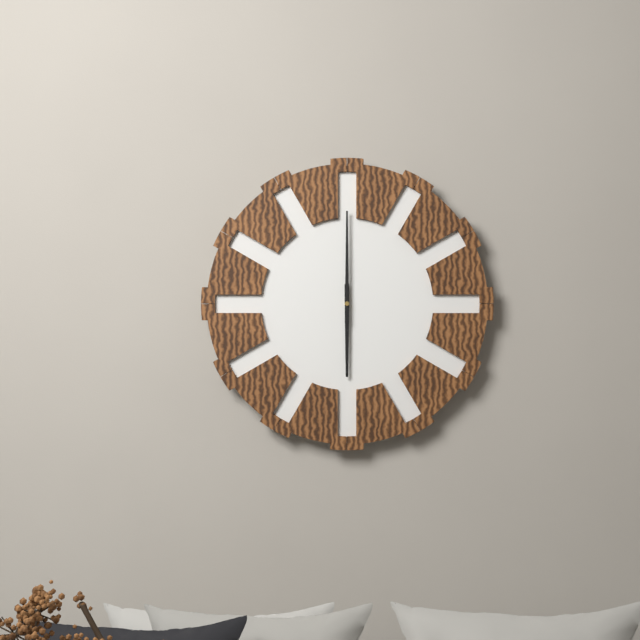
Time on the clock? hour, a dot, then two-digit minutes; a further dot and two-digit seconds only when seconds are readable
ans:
6.00
